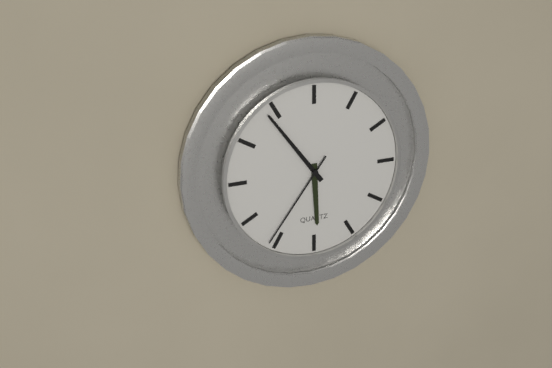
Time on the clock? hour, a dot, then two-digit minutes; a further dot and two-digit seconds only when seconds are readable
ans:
5.54.36
